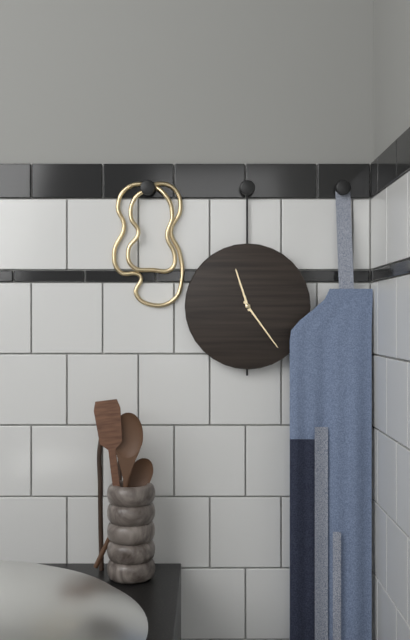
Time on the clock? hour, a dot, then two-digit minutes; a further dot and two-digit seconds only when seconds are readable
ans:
11.24
